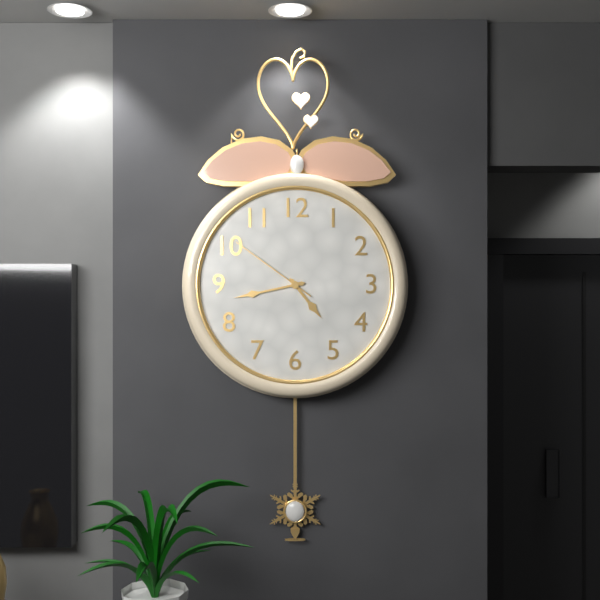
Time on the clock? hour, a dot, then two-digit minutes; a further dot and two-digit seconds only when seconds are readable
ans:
4.43.51
